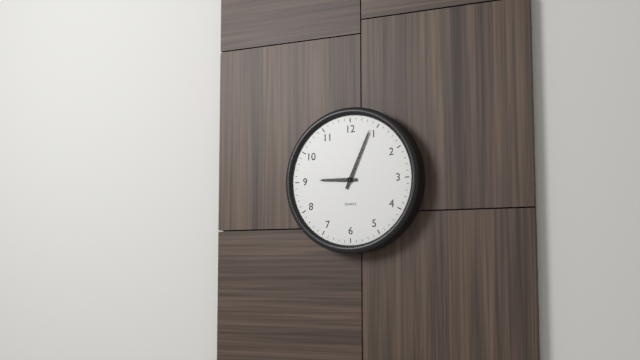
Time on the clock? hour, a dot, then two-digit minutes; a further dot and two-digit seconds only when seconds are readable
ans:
9.04
